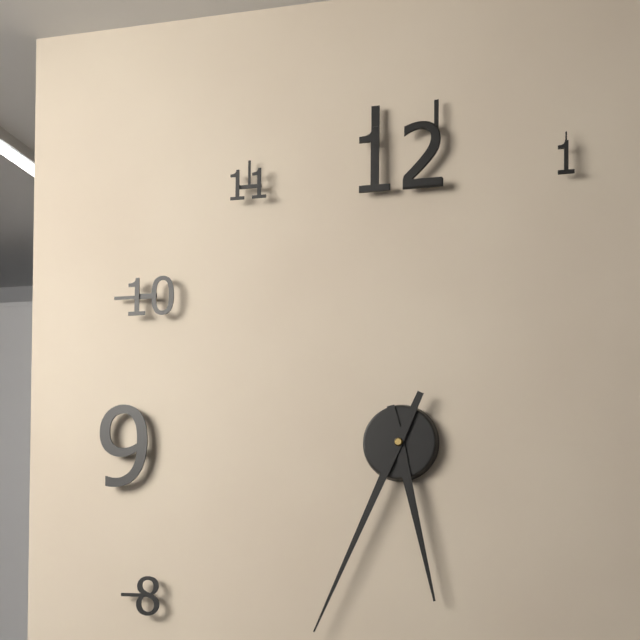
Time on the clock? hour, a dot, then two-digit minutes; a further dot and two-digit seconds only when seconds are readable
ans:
5.34
